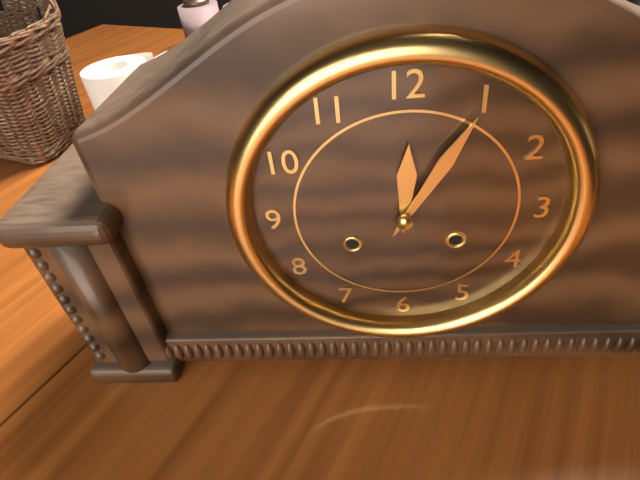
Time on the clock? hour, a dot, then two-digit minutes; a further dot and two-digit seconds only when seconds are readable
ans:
12.05
